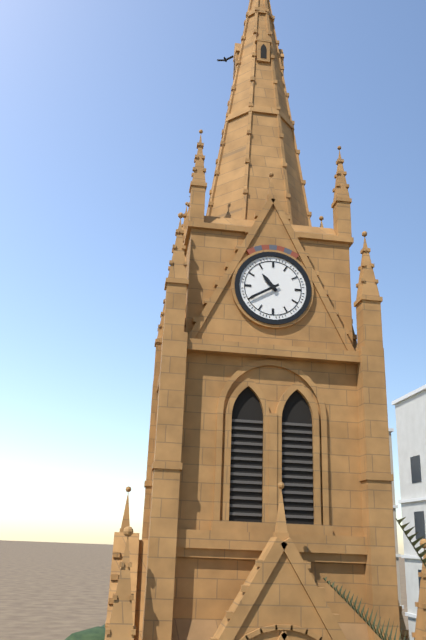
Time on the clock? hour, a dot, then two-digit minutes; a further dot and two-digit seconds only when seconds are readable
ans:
10.40
